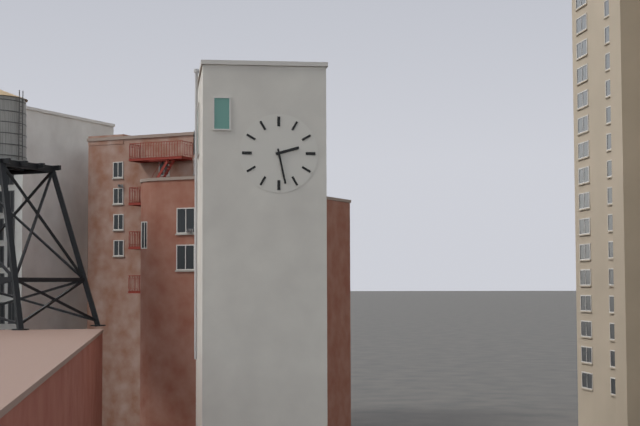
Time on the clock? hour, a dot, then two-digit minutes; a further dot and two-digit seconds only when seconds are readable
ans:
2.28
